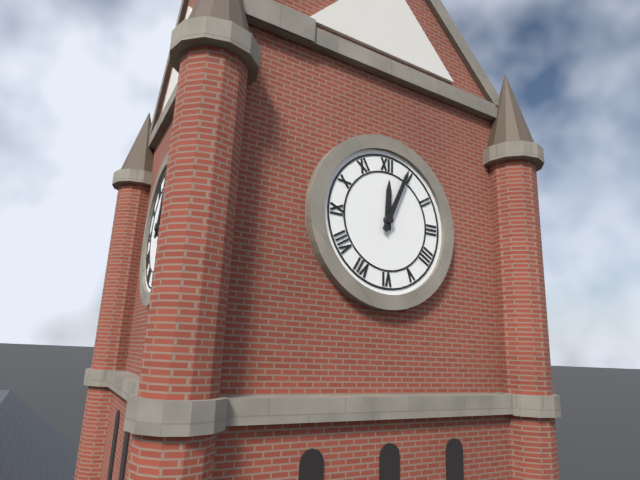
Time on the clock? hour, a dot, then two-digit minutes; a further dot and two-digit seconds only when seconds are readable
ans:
12.04
